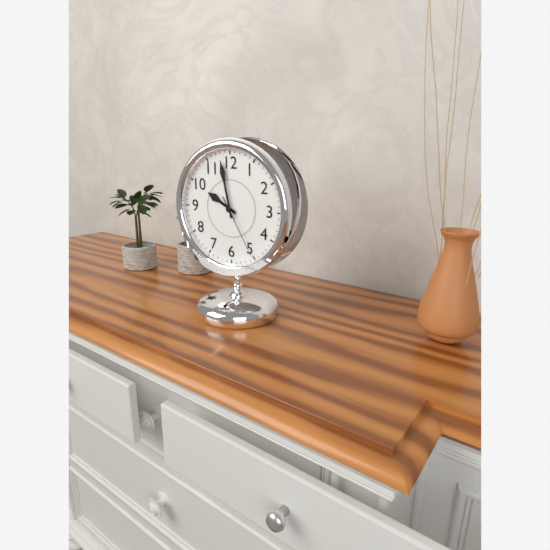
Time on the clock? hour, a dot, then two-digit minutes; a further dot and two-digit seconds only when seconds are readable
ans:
9.58.25
